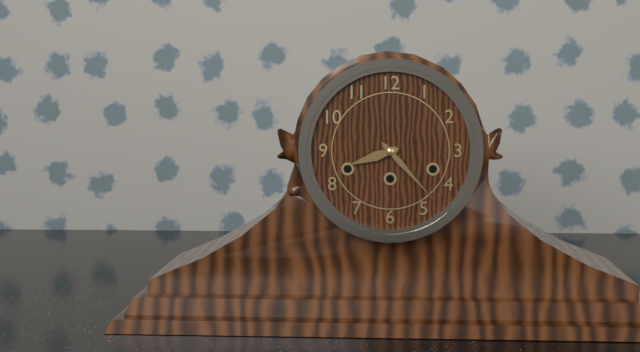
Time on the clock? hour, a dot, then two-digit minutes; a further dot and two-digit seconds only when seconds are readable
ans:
8.23
